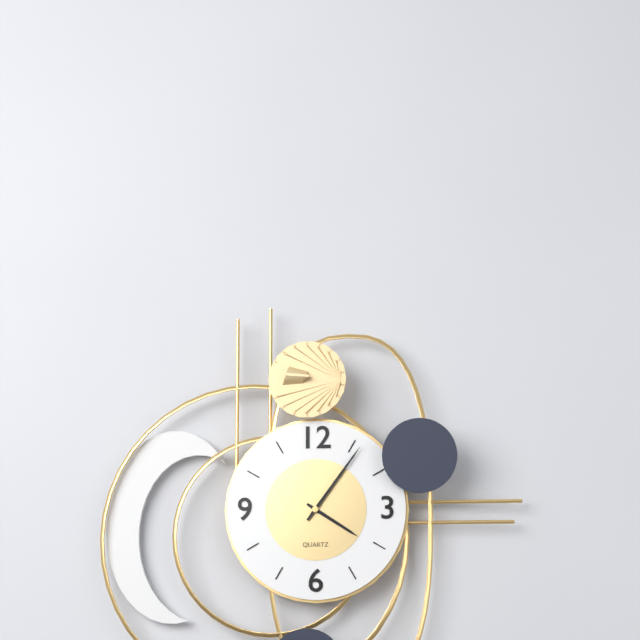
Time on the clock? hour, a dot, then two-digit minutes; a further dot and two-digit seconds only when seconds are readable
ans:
4.06
